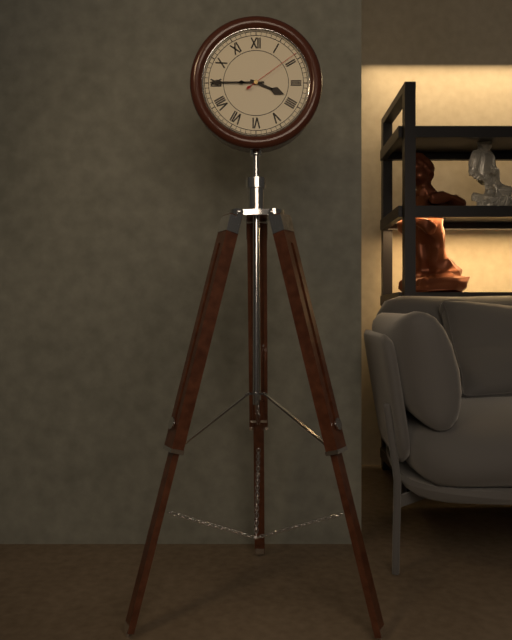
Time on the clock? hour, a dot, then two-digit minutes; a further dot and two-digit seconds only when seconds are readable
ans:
3.45.09
